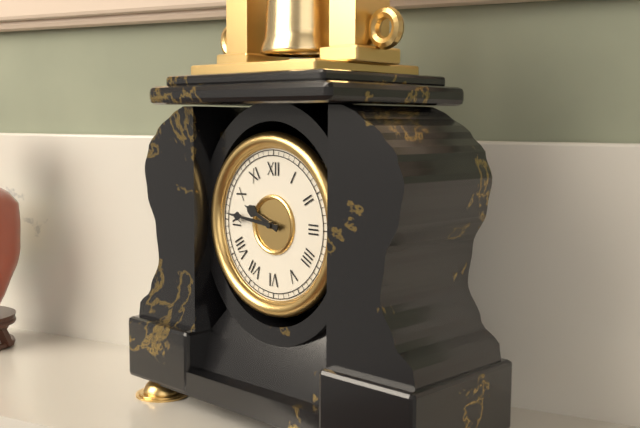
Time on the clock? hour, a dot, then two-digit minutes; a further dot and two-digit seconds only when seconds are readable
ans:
9.46
